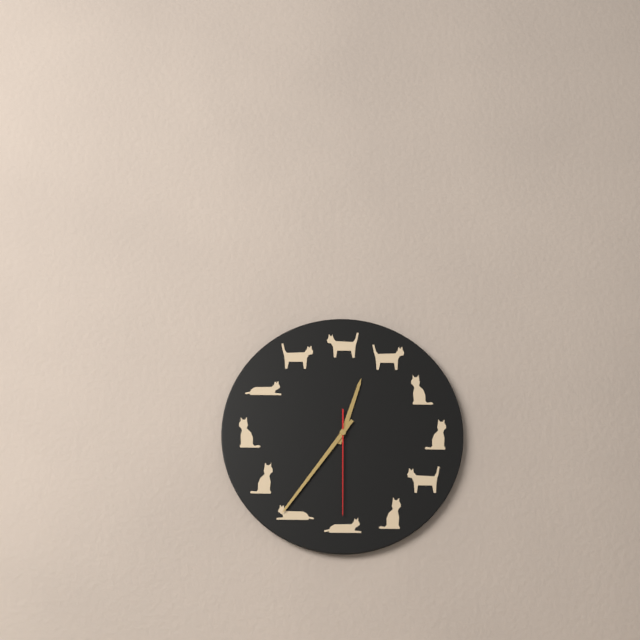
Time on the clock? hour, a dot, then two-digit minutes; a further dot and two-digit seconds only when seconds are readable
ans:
12.36.30
